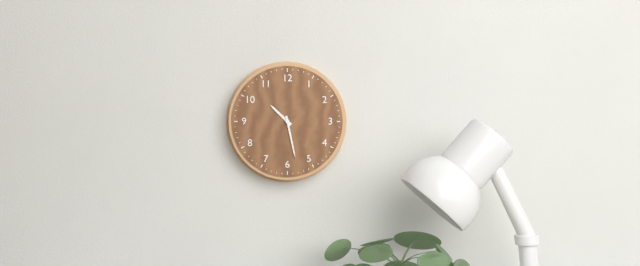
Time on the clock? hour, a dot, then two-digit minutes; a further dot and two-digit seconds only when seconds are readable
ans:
10.28
